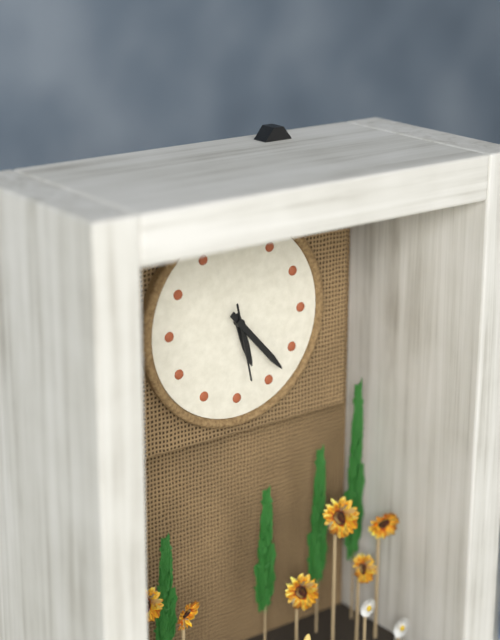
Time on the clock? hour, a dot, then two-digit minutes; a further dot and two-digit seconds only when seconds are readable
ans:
5.23.28
